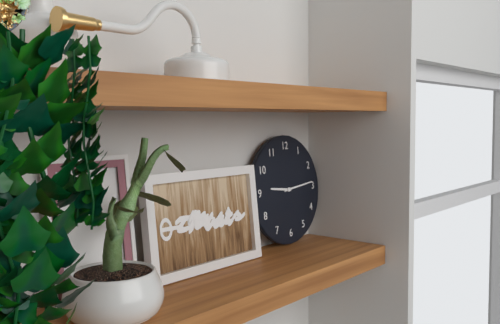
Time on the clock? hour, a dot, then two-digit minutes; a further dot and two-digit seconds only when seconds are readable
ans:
9.14
